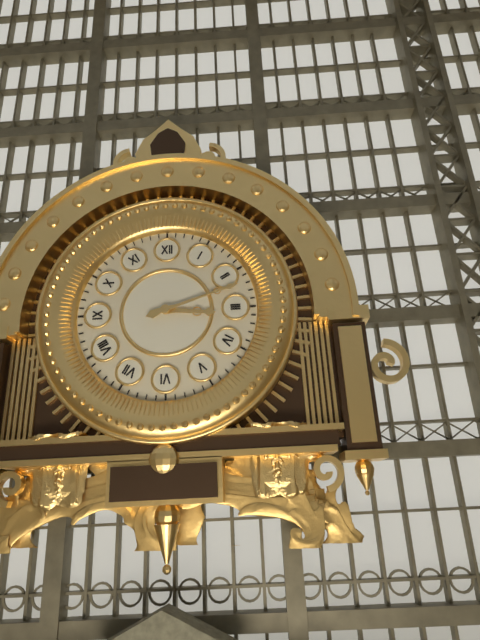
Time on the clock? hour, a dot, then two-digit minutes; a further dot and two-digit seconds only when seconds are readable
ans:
3.12
